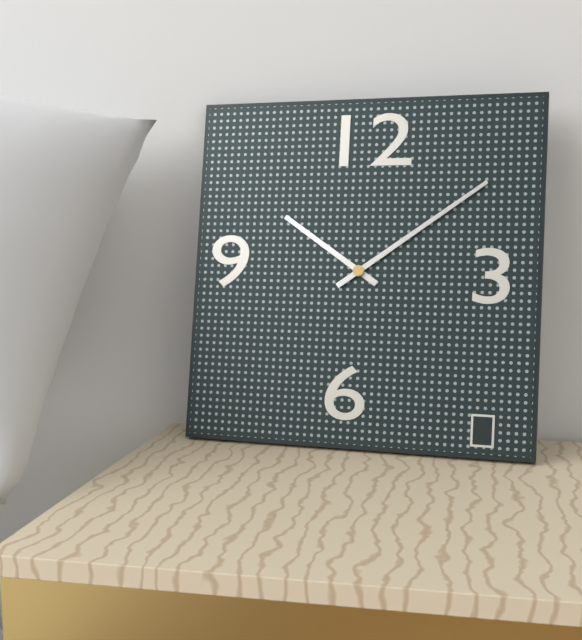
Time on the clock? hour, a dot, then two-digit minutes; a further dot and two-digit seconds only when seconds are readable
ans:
10.09
